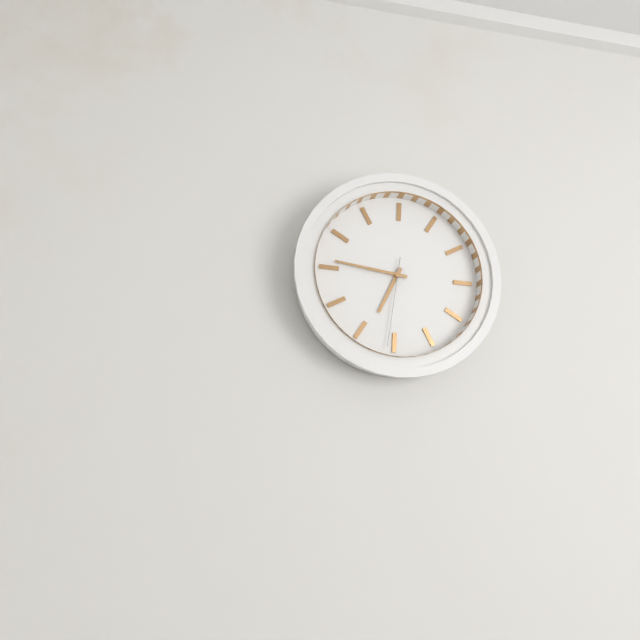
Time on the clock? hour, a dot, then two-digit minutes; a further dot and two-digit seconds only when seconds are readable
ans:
6.46.31
